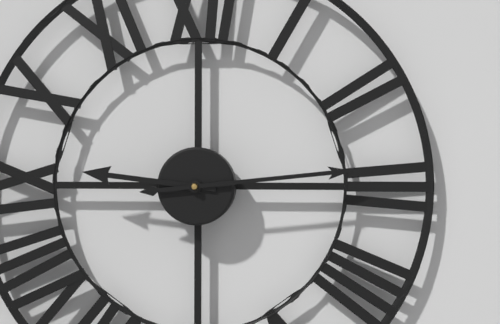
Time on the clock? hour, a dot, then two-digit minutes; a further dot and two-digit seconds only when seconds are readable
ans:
9.14
